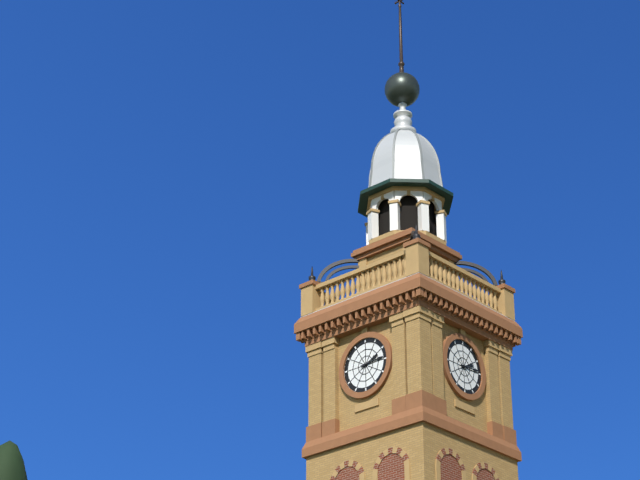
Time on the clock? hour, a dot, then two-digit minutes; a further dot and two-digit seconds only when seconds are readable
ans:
2.14
